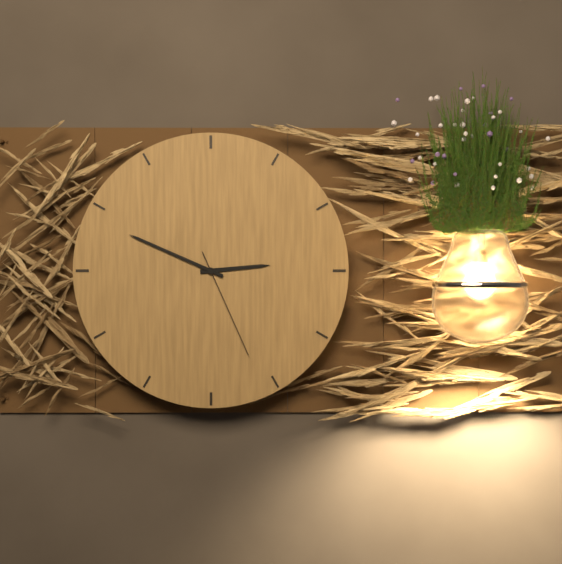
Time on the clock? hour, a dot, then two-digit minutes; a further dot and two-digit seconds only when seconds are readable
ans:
2.49.26
